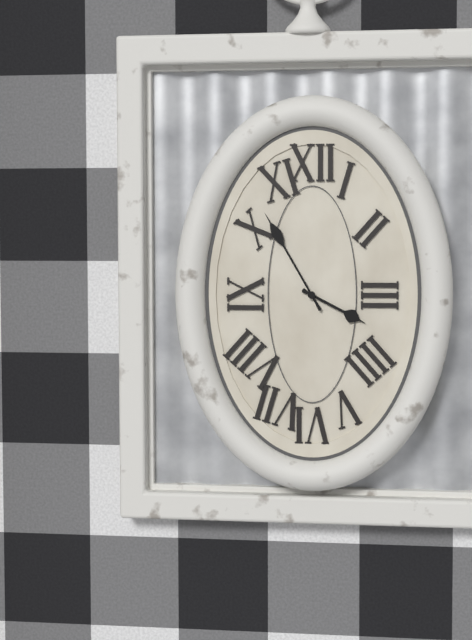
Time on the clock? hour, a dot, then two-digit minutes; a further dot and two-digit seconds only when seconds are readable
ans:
3.55
